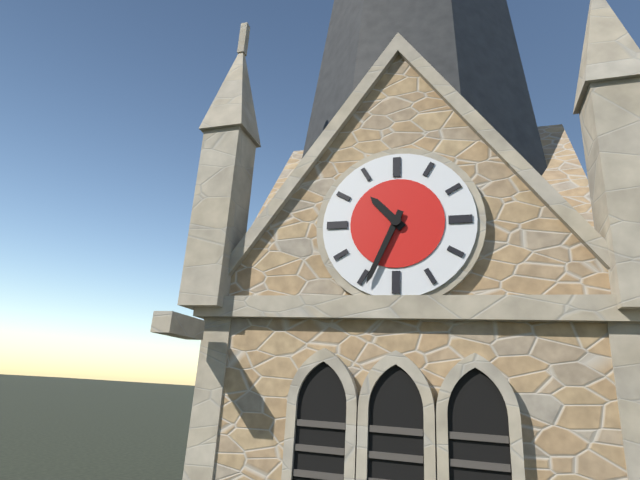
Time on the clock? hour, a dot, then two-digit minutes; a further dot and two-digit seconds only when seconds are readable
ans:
10.34
